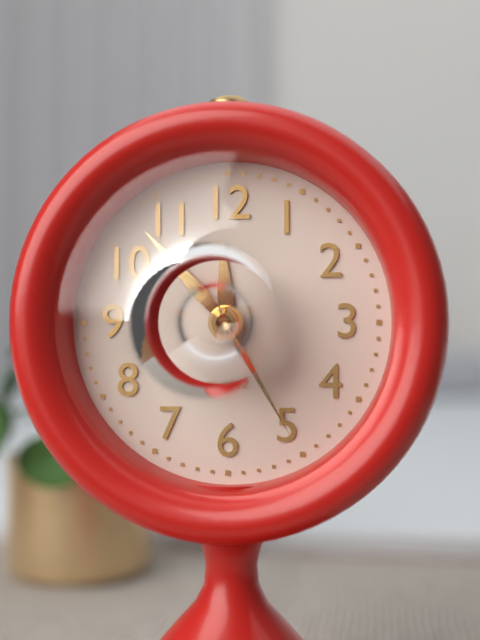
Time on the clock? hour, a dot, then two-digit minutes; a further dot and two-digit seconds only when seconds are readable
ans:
11.53.25
